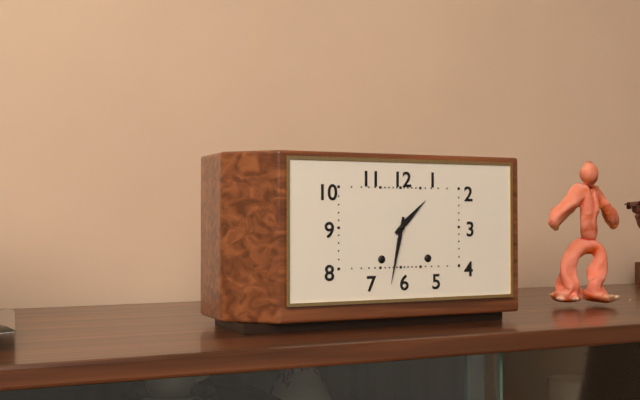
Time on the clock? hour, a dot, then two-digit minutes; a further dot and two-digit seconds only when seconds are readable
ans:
1.32
